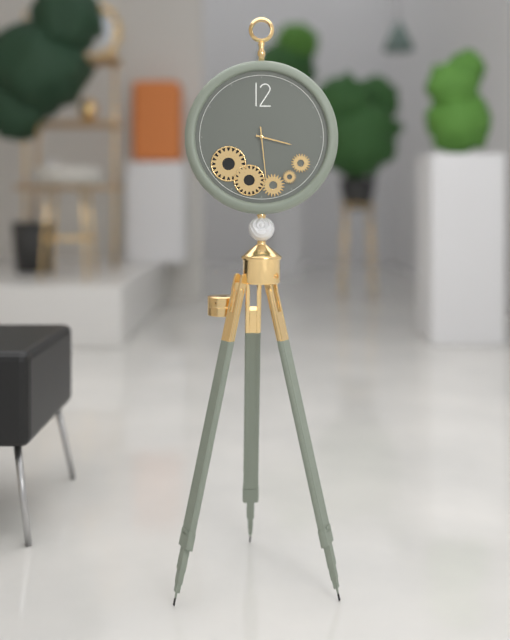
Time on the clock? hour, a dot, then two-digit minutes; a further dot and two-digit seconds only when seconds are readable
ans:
3.29
